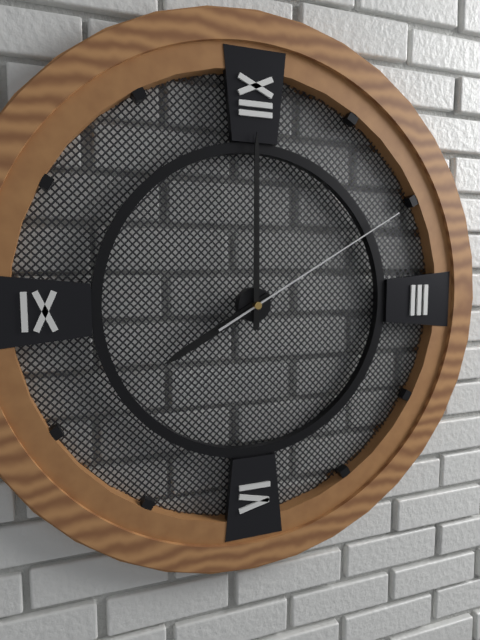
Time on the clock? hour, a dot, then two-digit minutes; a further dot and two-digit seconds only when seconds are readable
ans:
8.00.10
